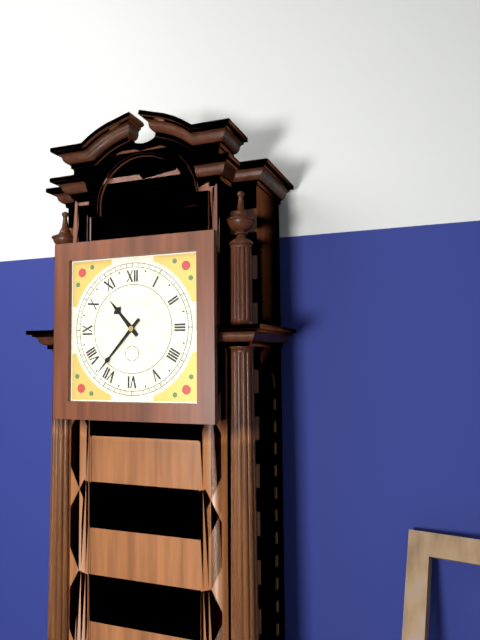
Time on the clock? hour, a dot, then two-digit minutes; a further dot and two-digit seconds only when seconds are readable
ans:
10.37
